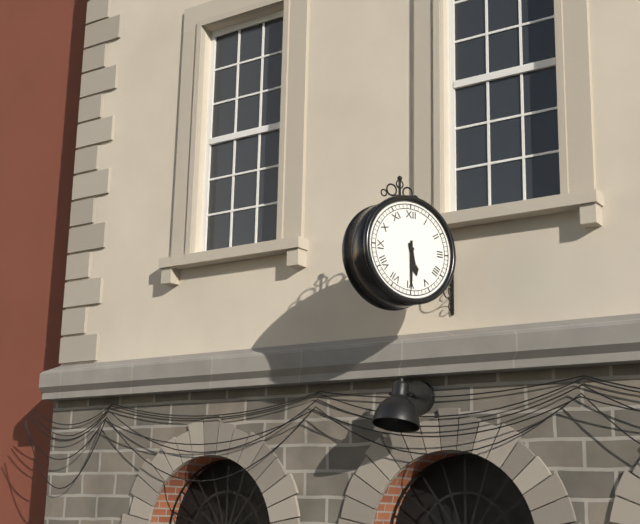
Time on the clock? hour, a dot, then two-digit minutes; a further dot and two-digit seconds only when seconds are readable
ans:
5.30
